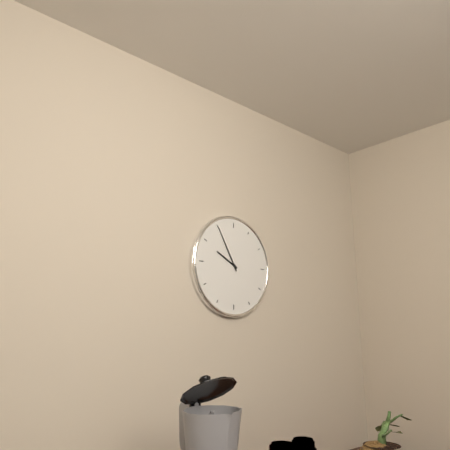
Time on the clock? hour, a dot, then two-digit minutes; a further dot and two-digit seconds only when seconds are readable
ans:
9.55
